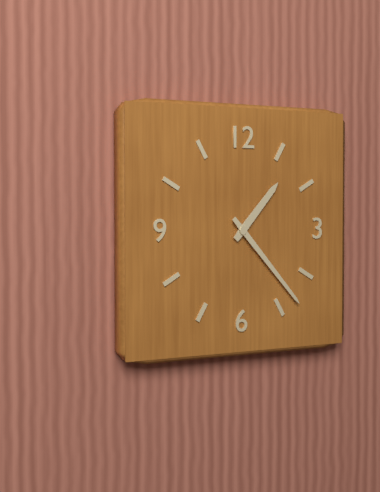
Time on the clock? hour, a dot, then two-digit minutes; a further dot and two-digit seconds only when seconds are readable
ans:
1.23
